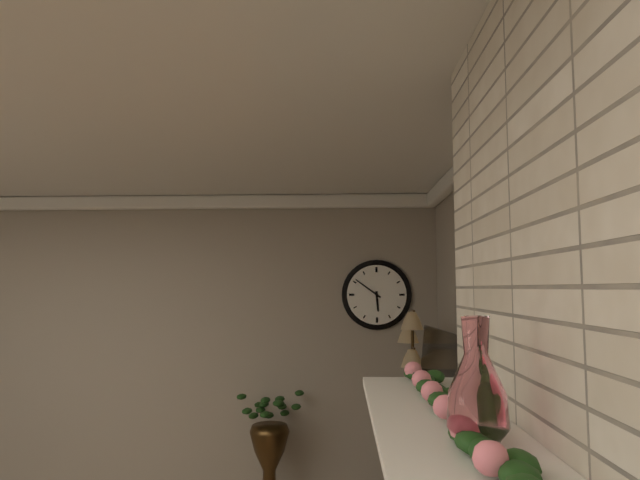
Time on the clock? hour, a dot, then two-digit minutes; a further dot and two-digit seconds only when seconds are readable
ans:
5.51
